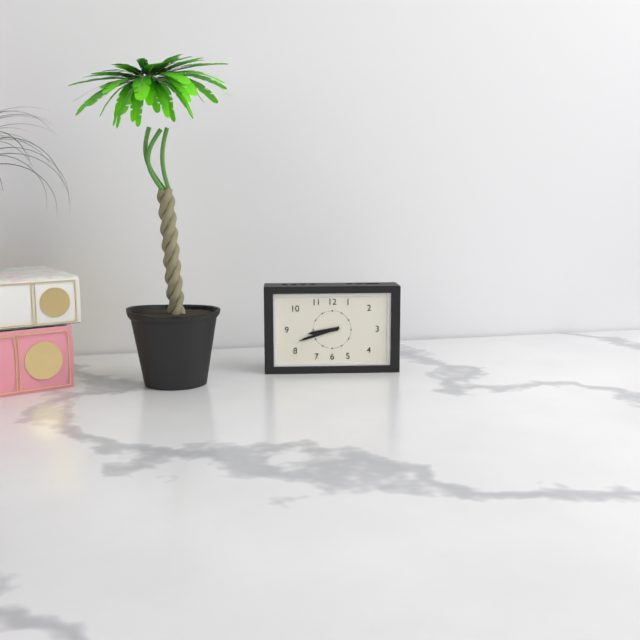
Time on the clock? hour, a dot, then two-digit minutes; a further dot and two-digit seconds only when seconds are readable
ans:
8.42
